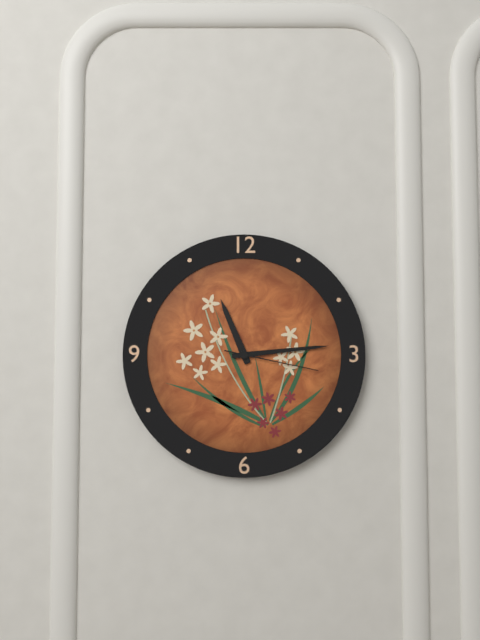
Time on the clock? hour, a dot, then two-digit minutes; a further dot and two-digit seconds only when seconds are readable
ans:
11.14.17
